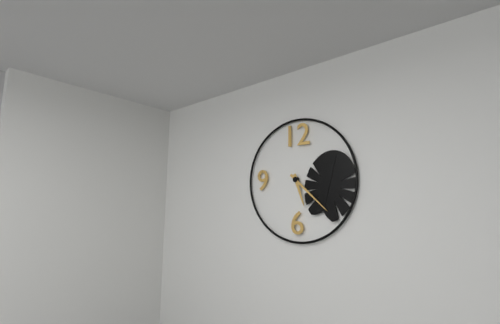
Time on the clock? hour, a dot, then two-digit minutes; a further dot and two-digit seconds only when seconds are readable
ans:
5.22
